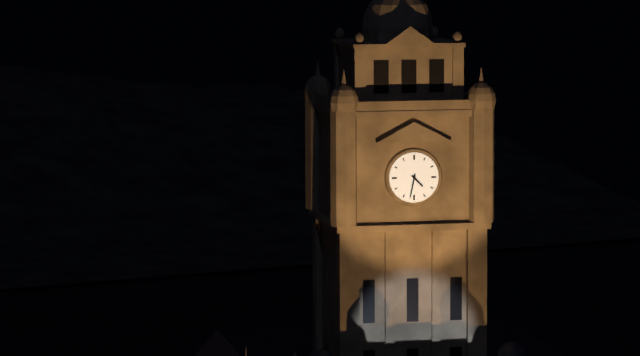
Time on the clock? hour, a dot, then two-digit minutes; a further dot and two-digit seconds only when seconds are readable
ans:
4.32
